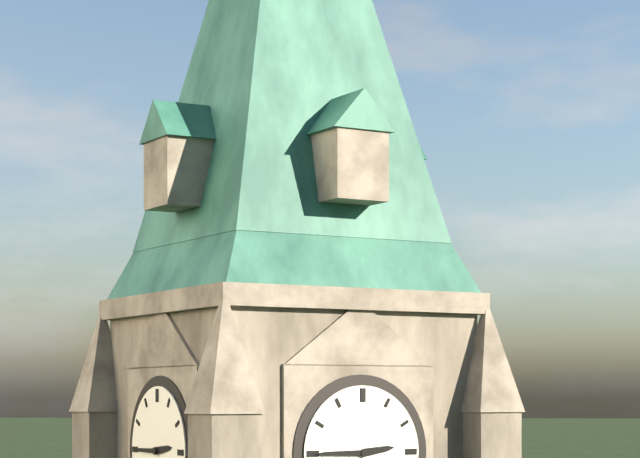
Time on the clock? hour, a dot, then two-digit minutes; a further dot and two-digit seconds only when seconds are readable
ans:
2.45
